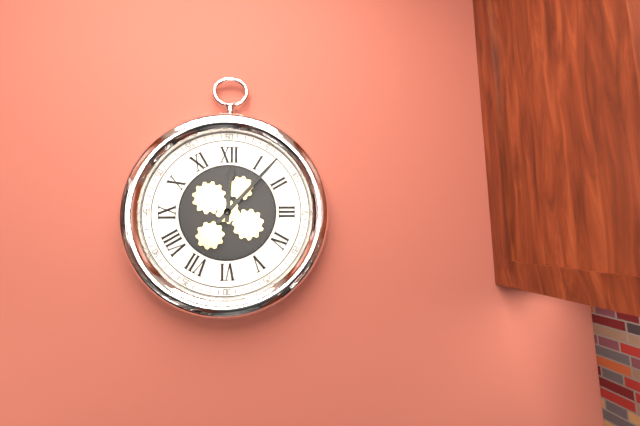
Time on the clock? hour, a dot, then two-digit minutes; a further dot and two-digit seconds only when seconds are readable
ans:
12.07
